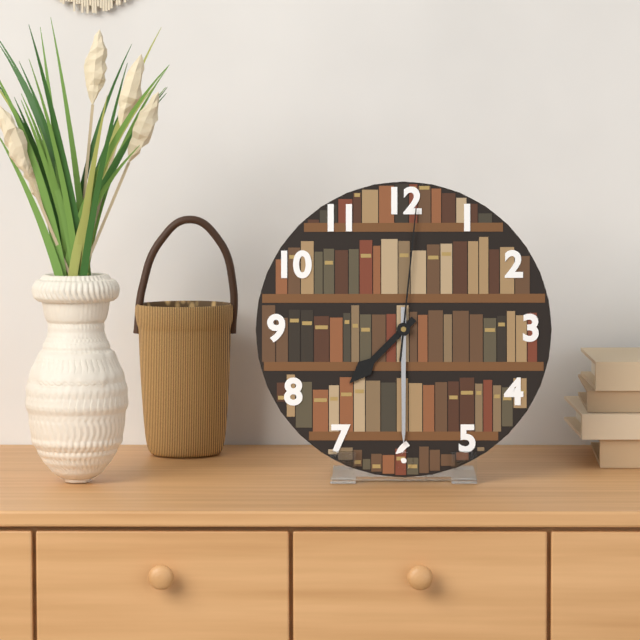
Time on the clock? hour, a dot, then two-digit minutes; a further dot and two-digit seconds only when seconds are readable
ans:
7.30.01
